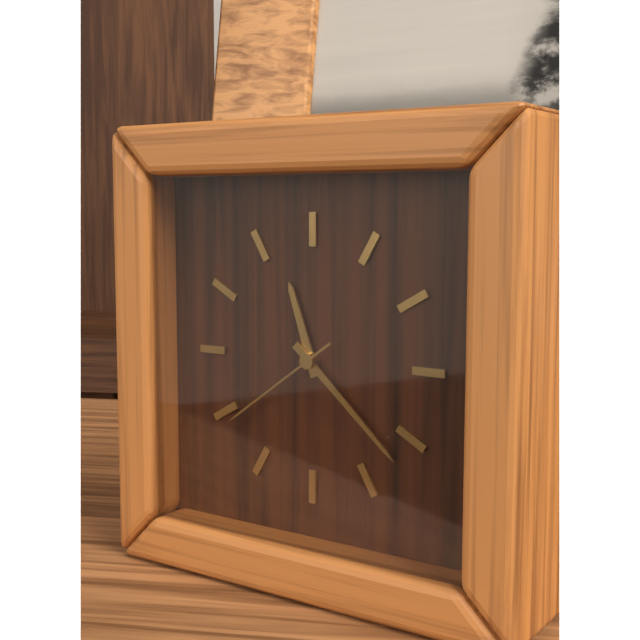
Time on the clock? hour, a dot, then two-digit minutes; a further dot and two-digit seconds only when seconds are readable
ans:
11.22.39
